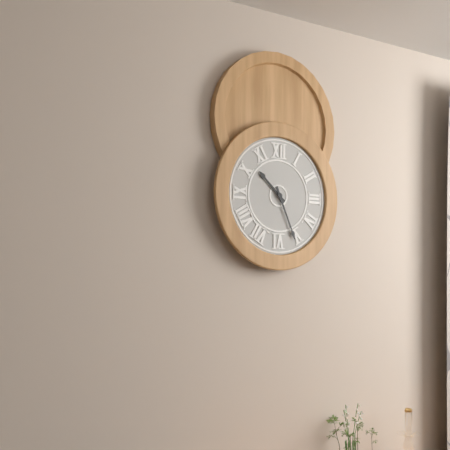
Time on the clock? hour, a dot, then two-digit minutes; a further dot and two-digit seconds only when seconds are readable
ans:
10.26
